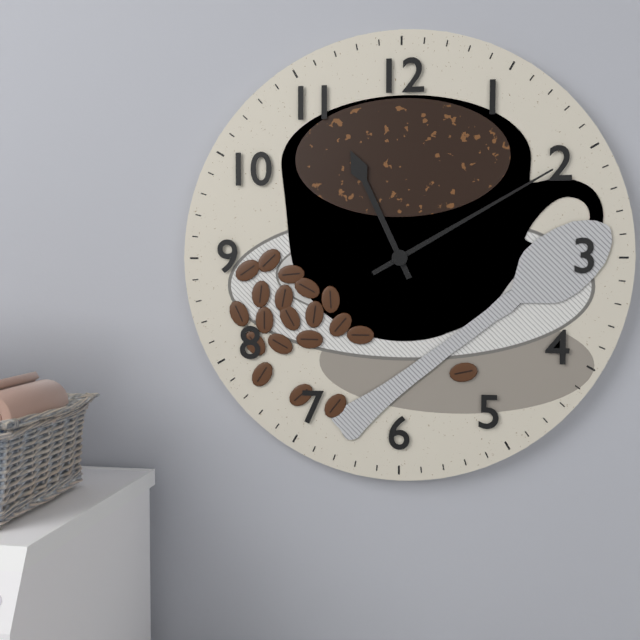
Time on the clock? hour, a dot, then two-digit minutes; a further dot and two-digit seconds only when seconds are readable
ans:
11.10
